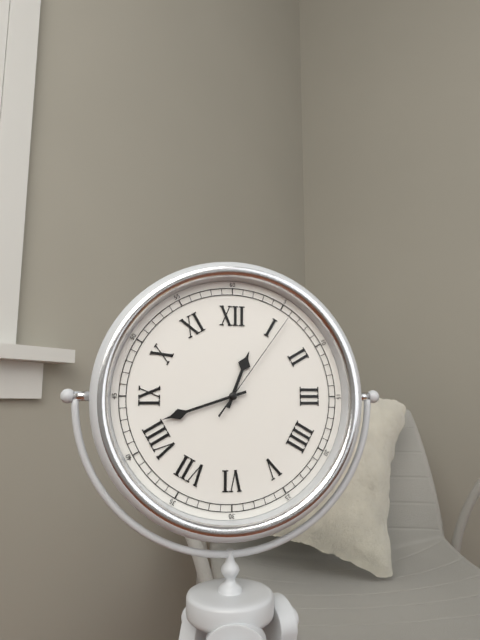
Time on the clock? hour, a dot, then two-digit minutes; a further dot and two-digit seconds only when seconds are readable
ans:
12.42.06
